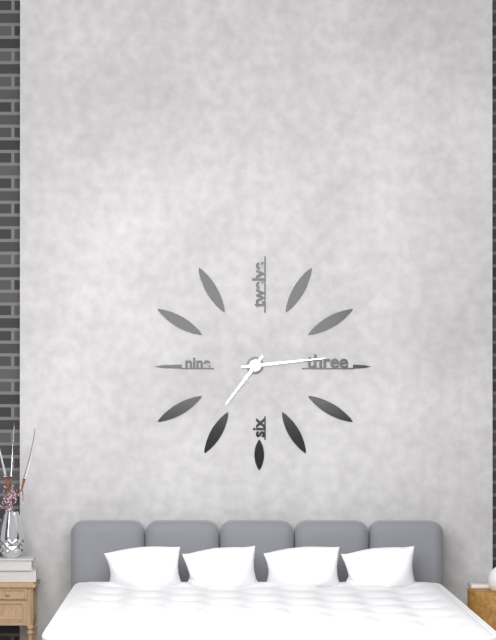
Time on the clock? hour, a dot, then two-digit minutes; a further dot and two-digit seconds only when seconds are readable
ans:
7.14
